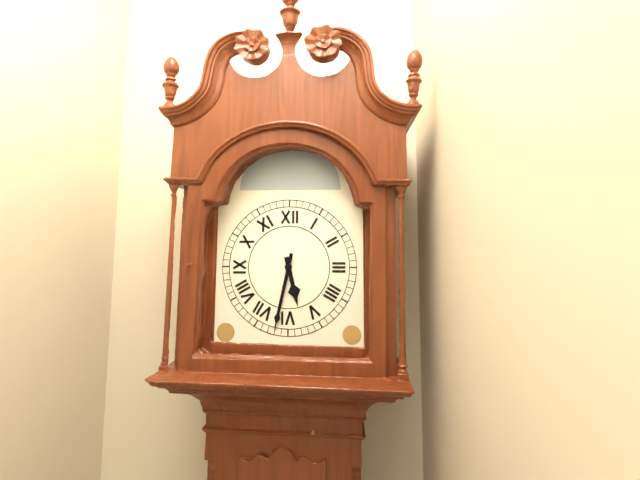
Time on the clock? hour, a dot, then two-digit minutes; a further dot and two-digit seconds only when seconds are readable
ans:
5.32
